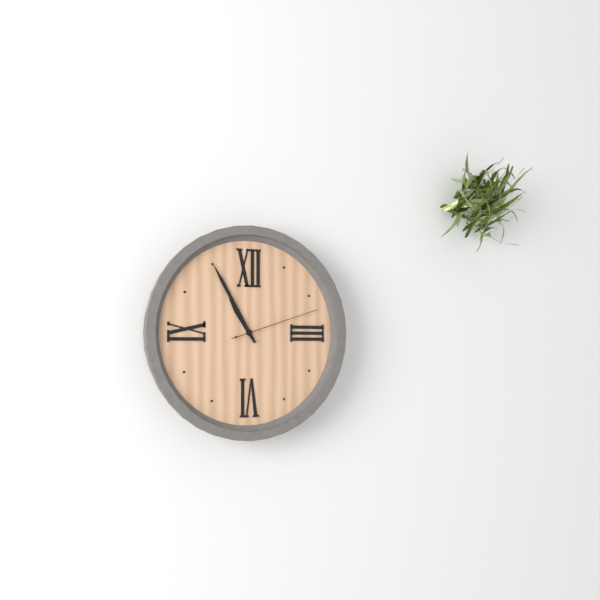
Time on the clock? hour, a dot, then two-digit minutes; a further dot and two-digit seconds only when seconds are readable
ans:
10.55.12
